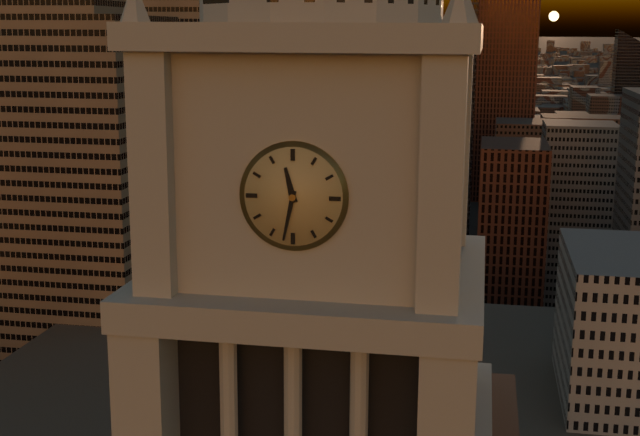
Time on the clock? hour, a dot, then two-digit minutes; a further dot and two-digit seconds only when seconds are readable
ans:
11.32
